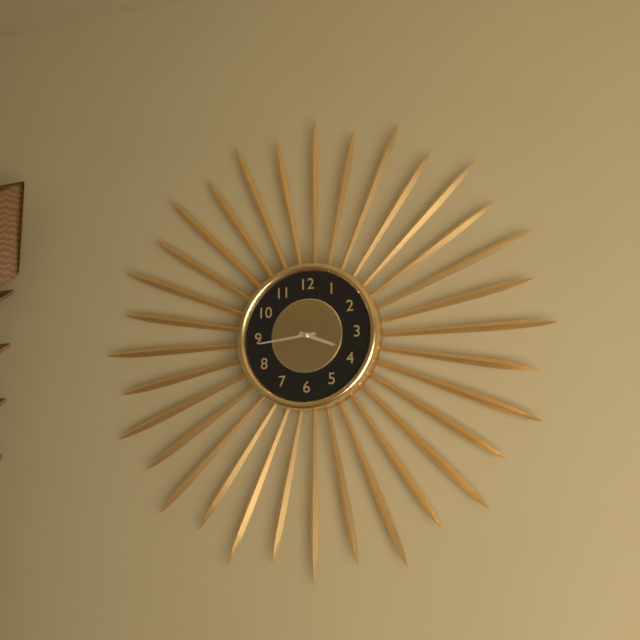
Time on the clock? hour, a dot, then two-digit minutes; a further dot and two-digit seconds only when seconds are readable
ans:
3.44
